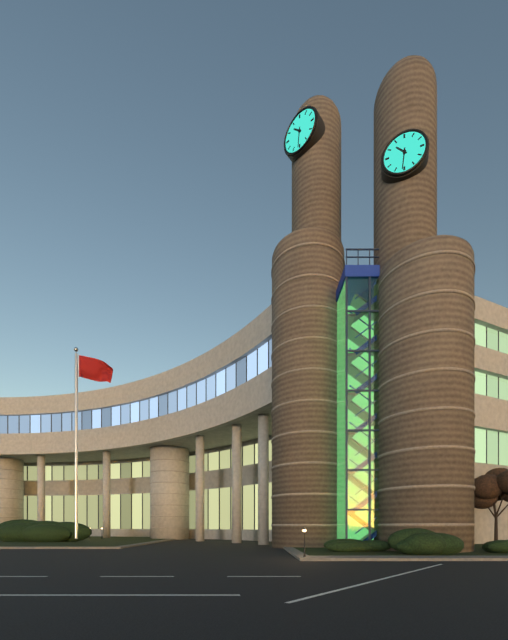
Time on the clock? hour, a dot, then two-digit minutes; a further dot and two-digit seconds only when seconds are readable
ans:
10.31
